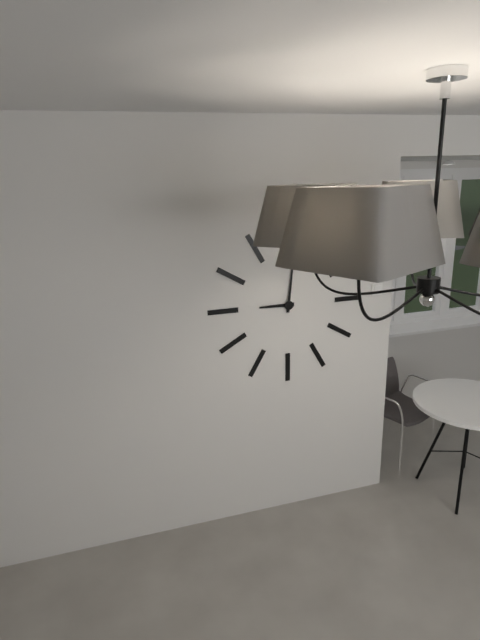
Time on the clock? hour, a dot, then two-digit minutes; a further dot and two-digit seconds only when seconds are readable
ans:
9.01
